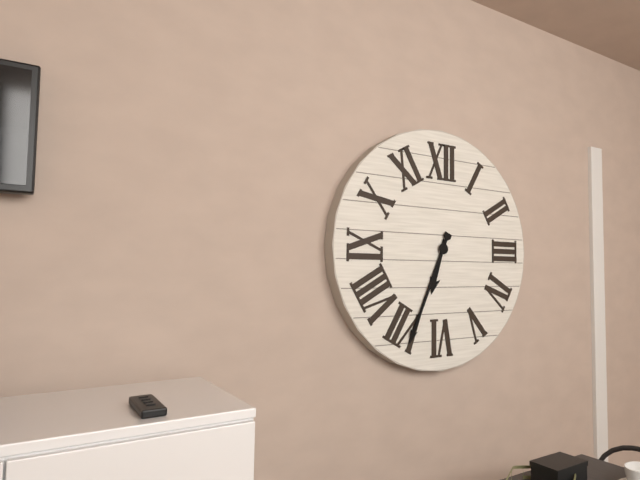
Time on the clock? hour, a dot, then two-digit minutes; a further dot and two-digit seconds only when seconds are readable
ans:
6.34
